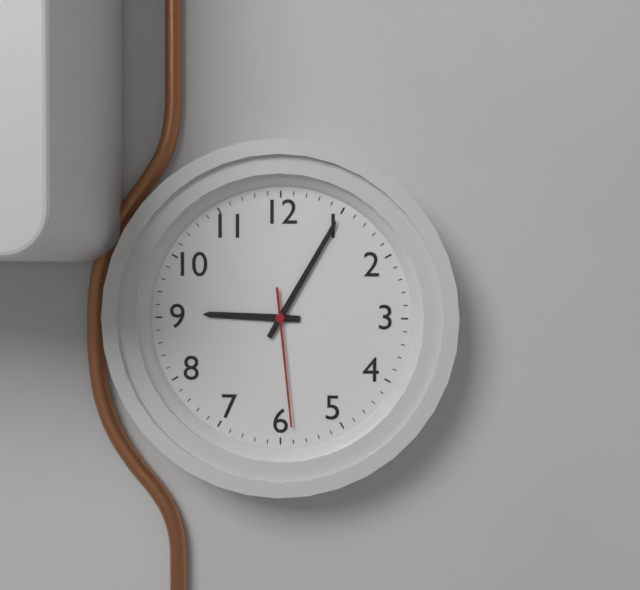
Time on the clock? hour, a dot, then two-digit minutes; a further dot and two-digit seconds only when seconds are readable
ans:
9.05.29
